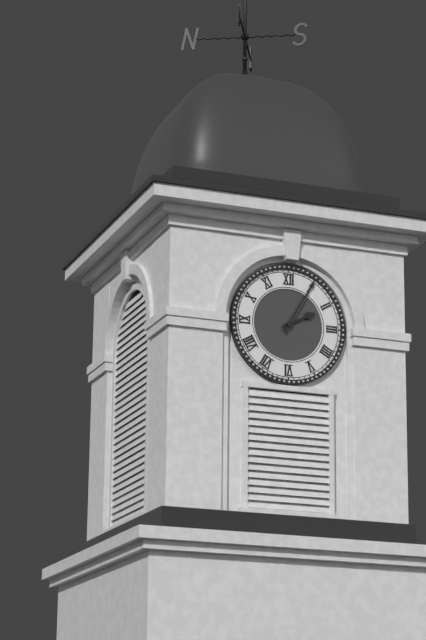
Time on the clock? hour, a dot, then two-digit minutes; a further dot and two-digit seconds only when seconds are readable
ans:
2.05
